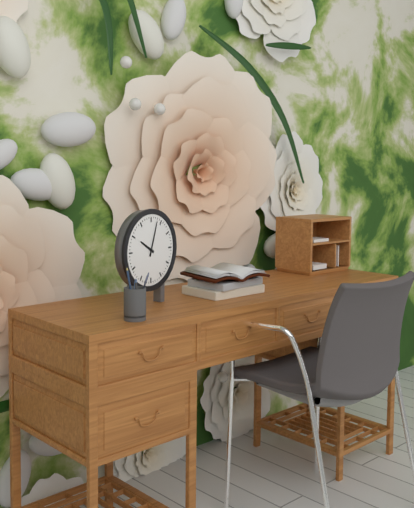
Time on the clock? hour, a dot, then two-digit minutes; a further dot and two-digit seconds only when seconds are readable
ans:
10.03
